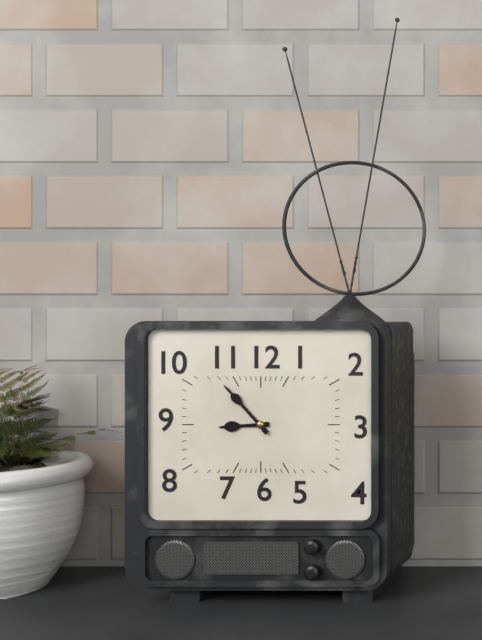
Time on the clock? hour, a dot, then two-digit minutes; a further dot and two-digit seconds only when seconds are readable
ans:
8.53
